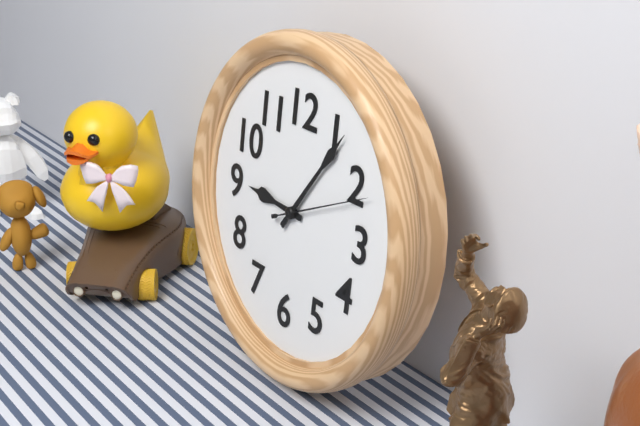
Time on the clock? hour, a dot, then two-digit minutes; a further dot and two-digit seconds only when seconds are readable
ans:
9.06.11
